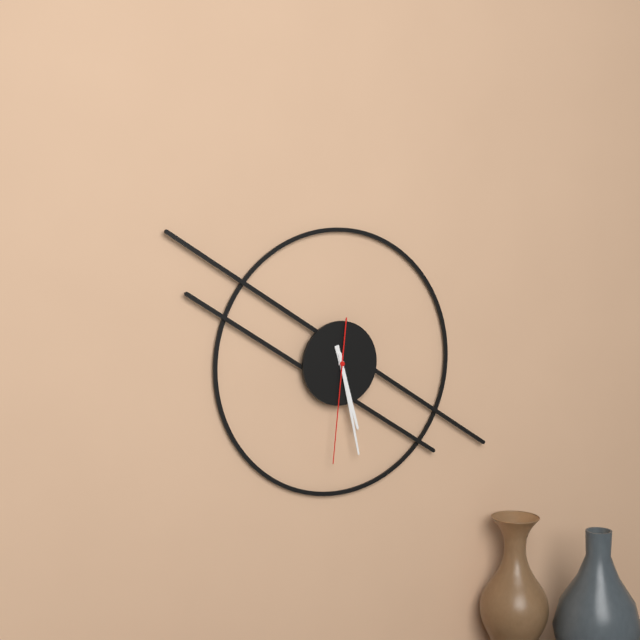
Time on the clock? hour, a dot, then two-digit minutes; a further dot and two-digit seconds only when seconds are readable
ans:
5.28.31
